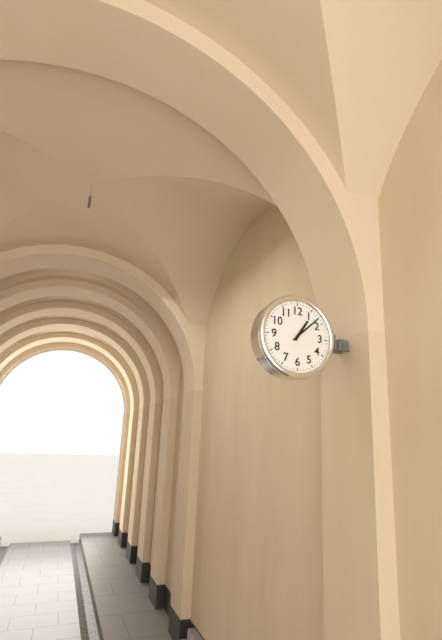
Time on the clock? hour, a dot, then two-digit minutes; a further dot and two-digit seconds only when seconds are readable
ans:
1.08
